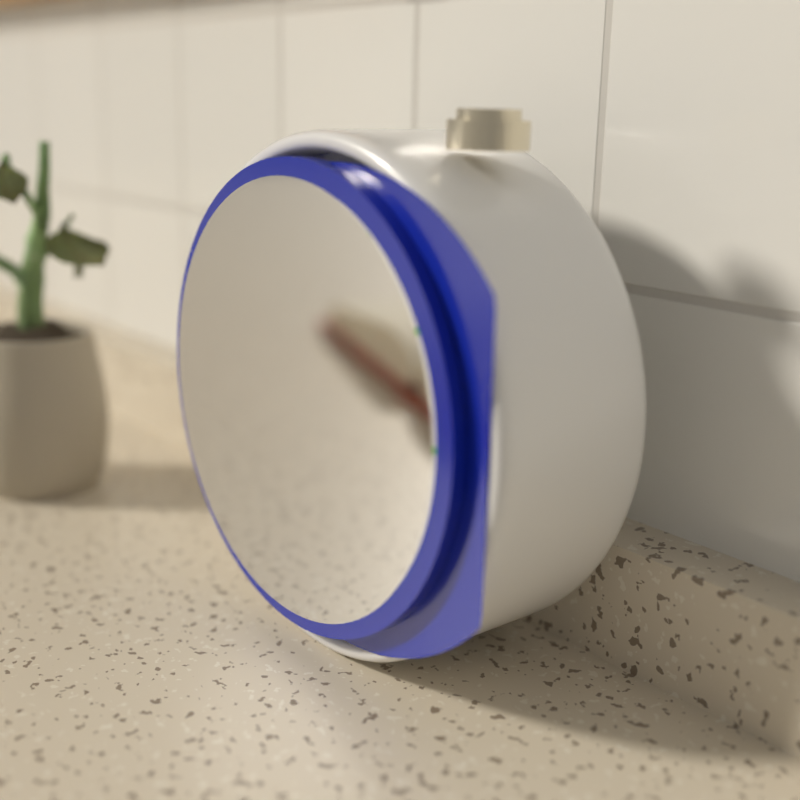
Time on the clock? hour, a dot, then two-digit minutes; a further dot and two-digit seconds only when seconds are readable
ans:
6.25.39
